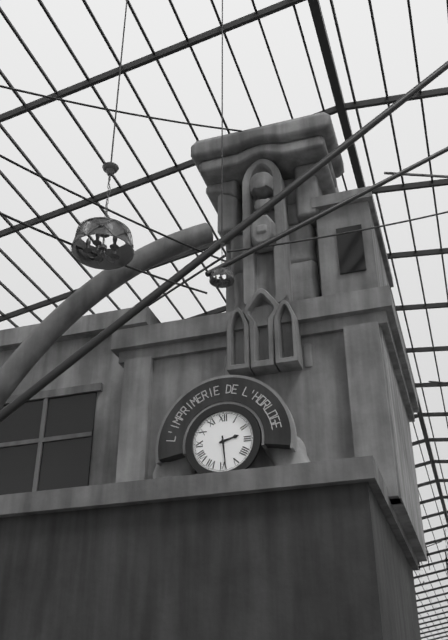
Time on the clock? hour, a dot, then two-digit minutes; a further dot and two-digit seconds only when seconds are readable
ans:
2.29
